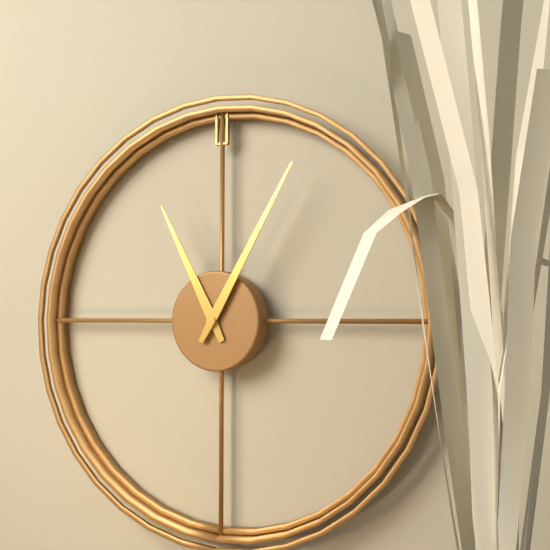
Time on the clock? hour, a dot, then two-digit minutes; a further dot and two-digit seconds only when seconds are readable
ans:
11.05
